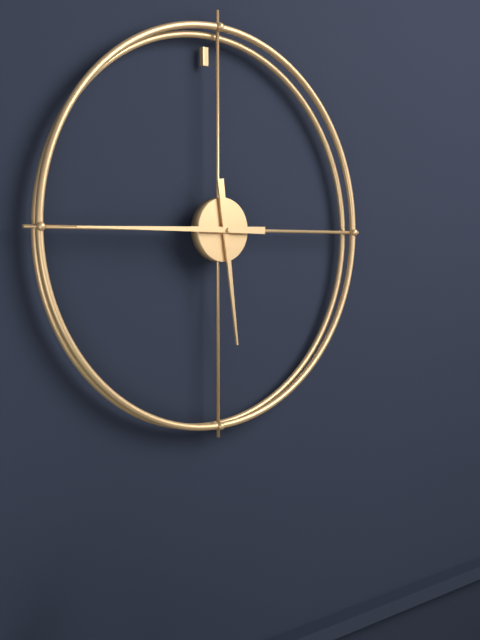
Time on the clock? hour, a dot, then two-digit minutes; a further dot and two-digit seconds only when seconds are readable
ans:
5.45
